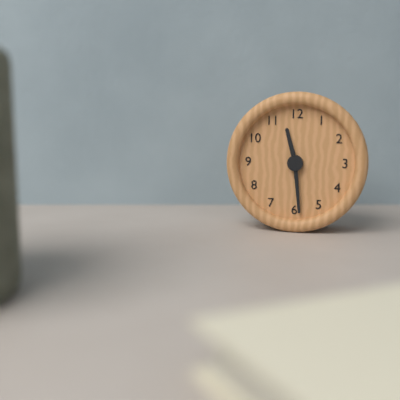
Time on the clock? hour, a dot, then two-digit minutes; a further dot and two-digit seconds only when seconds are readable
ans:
11.29
